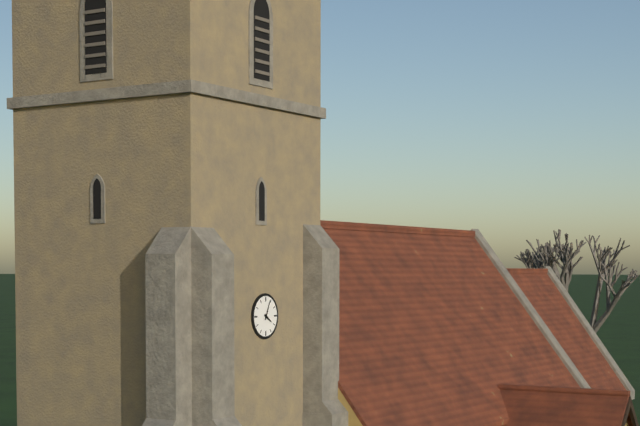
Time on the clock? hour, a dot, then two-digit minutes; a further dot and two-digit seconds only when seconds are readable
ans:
4.04
